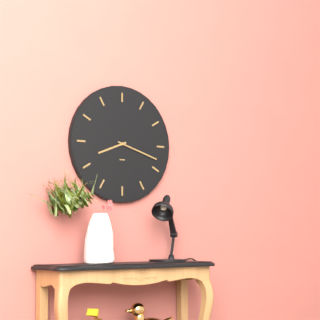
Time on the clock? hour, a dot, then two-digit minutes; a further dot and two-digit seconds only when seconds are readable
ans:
8.18
